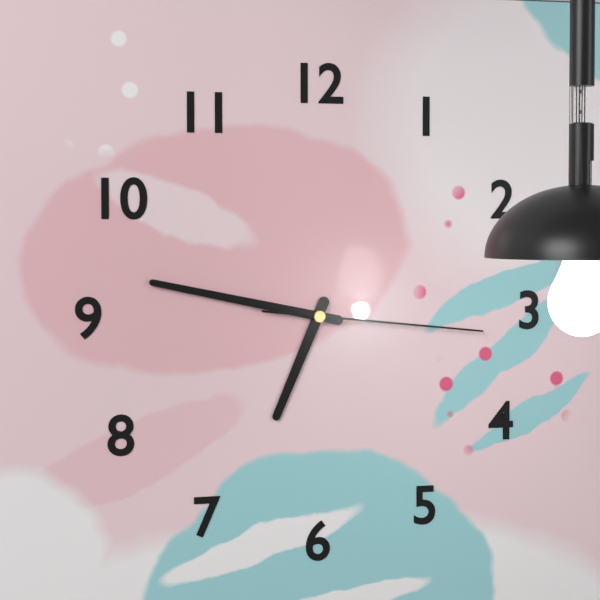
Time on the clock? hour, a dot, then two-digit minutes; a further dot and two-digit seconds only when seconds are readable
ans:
6.47.16
